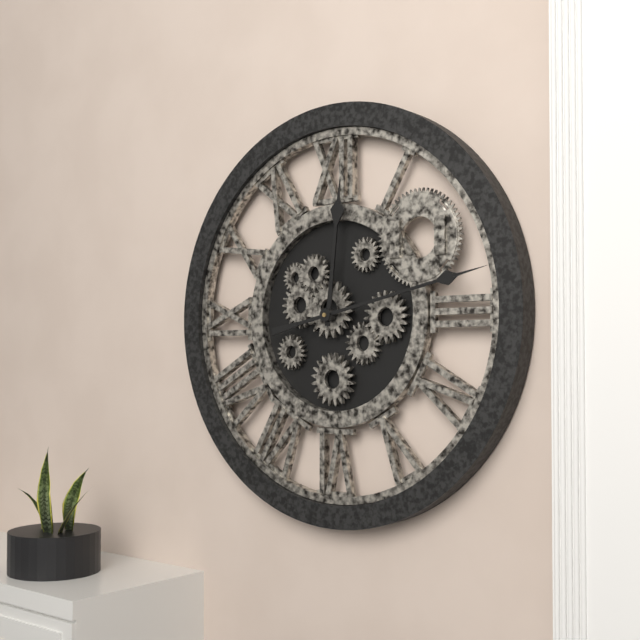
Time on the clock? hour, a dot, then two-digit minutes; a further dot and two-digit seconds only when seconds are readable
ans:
12.13
